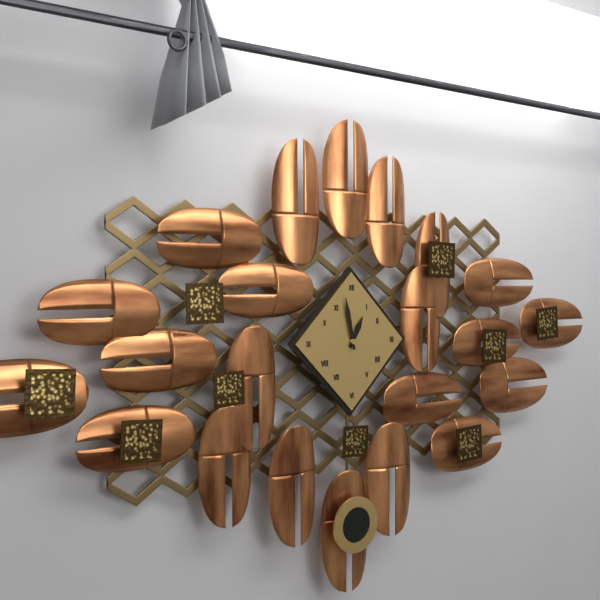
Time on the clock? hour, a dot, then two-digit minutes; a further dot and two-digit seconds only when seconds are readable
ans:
12.58
